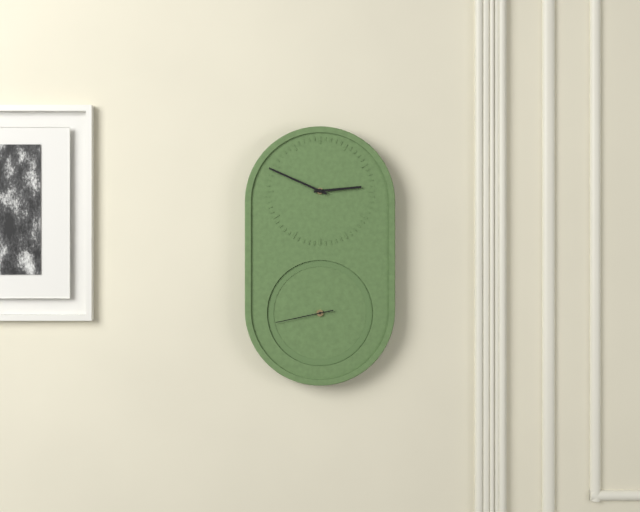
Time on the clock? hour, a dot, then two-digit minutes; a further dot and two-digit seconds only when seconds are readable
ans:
2.49.43
